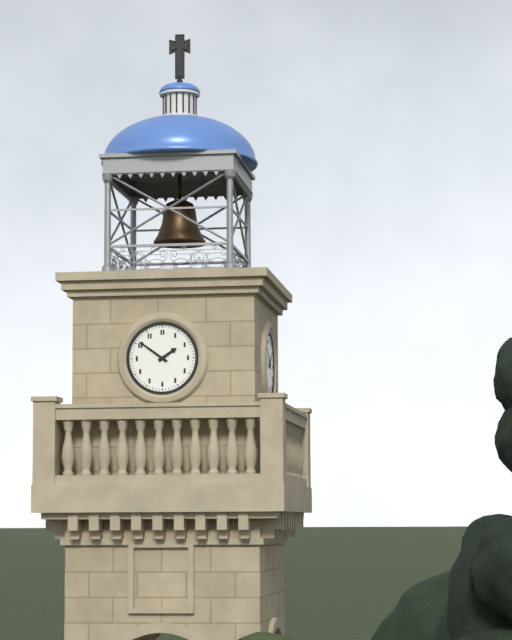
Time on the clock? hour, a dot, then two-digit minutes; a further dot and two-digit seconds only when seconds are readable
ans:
1.51
